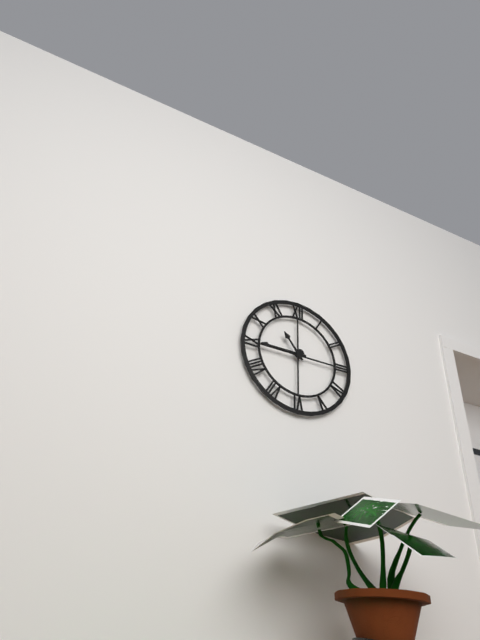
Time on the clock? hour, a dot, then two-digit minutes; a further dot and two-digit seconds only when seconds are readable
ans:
10.45
